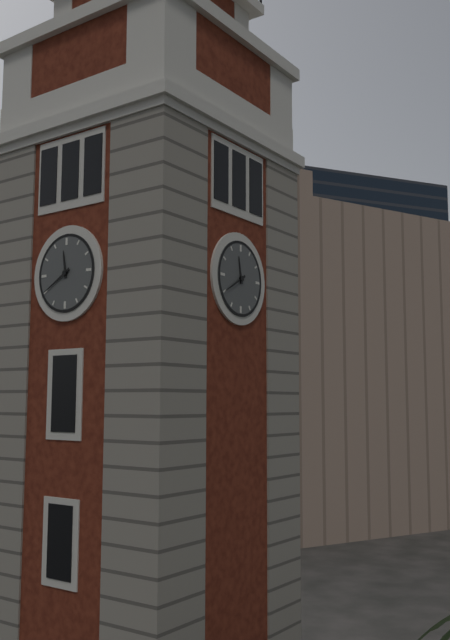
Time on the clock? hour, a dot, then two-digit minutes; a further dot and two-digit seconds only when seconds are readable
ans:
11.40
